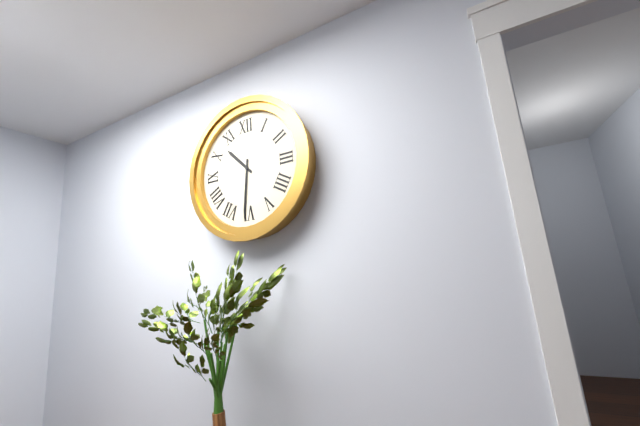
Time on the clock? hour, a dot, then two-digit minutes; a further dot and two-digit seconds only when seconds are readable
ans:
10.31
